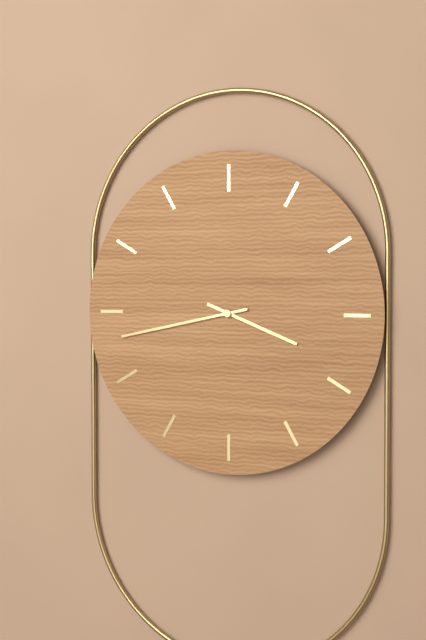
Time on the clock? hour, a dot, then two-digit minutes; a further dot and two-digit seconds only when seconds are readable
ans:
3.43
